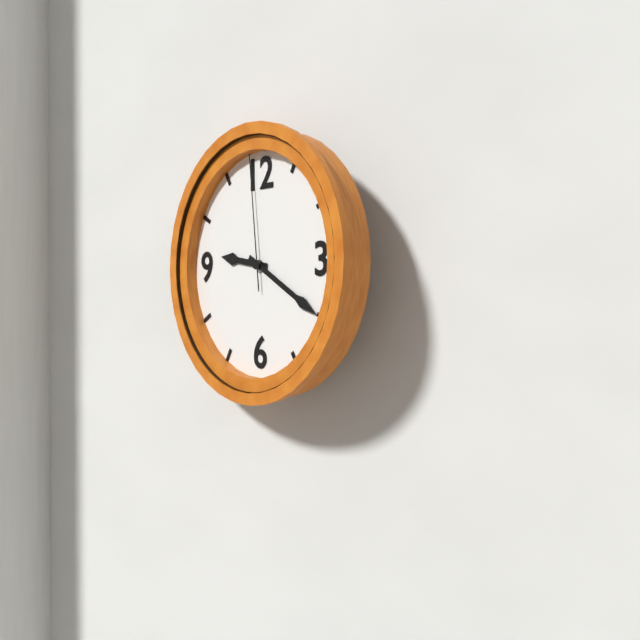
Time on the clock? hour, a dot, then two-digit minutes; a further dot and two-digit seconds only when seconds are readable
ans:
9.20.59
